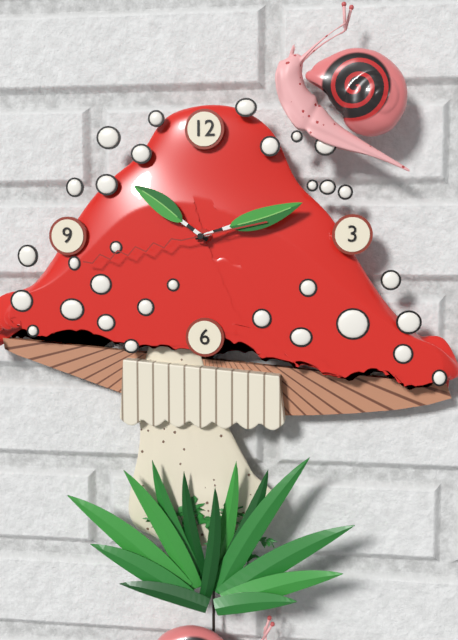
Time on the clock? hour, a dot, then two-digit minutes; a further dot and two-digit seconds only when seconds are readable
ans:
10.12.43
